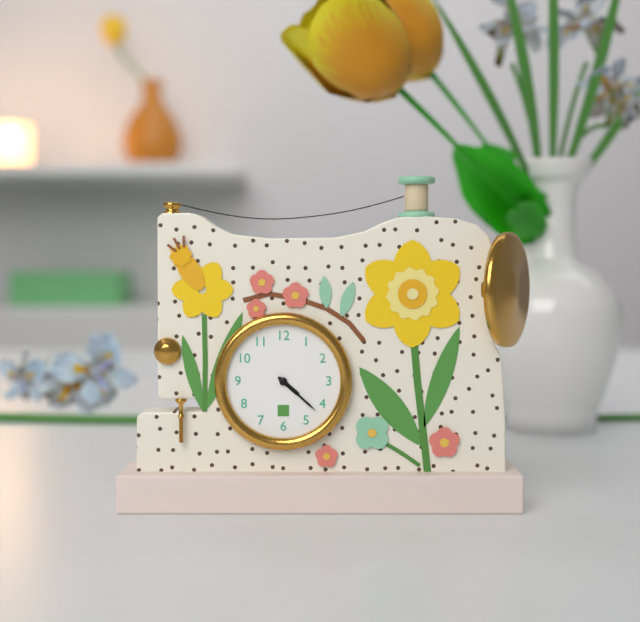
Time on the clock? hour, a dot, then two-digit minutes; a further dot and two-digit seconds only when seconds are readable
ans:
4.22
